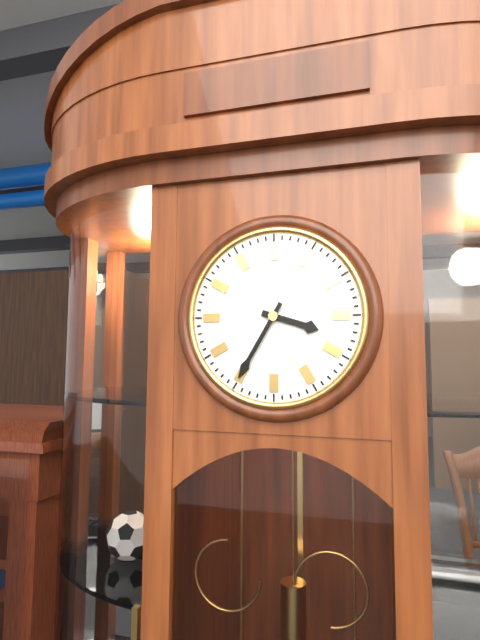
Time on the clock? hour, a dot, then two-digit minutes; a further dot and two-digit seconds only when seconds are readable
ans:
3.35
